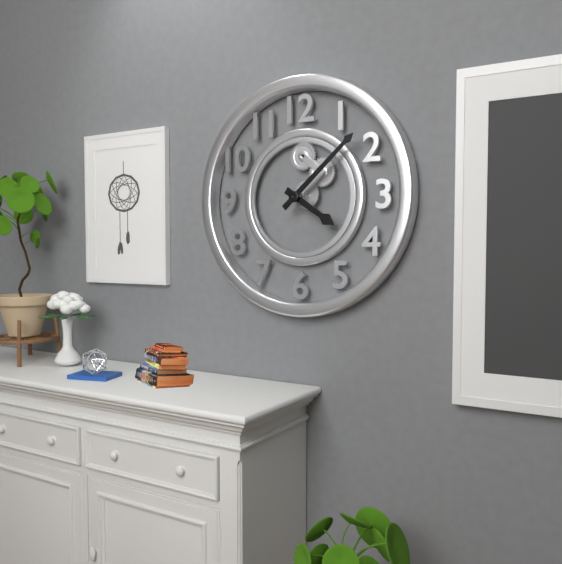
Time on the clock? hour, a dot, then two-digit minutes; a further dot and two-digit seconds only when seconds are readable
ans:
4.08
